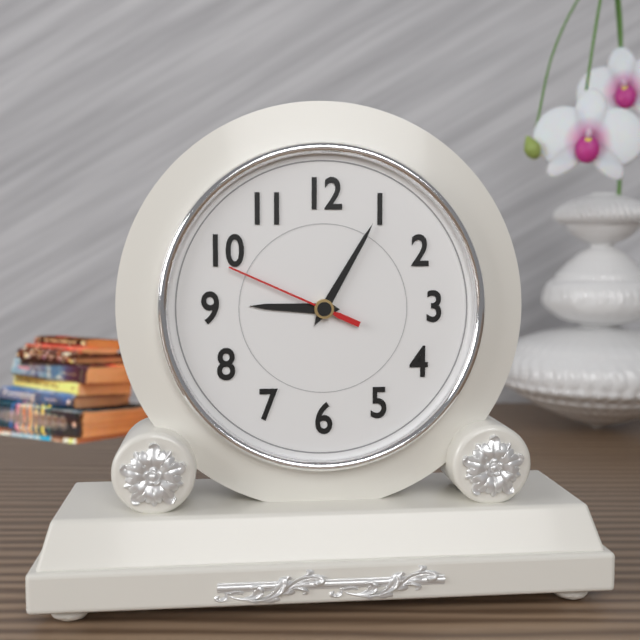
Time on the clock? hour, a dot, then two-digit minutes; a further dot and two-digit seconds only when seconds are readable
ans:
9.05.49
